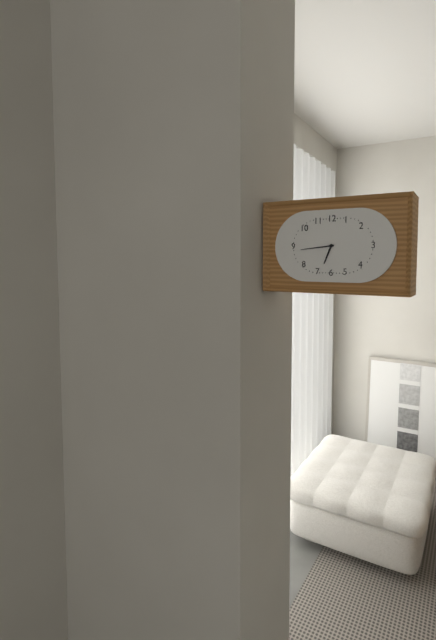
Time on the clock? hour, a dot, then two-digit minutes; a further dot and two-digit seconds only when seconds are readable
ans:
6.44
